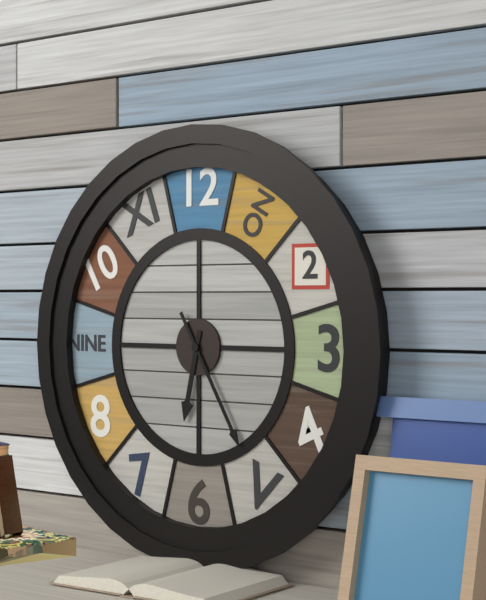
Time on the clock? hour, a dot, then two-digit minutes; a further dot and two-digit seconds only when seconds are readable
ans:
6.25
